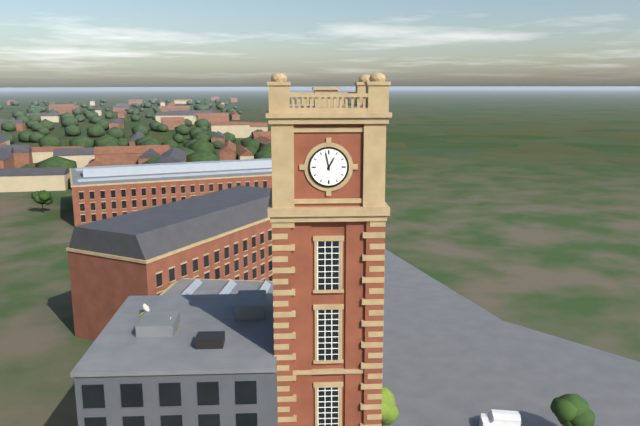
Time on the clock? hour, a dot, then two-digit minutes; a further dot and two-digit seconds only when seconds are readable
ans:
12.58
